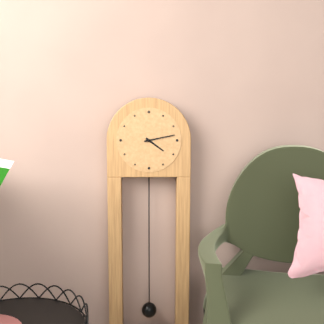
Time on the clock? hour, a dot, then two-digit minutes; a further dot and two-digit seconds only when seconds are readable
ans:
4.13
